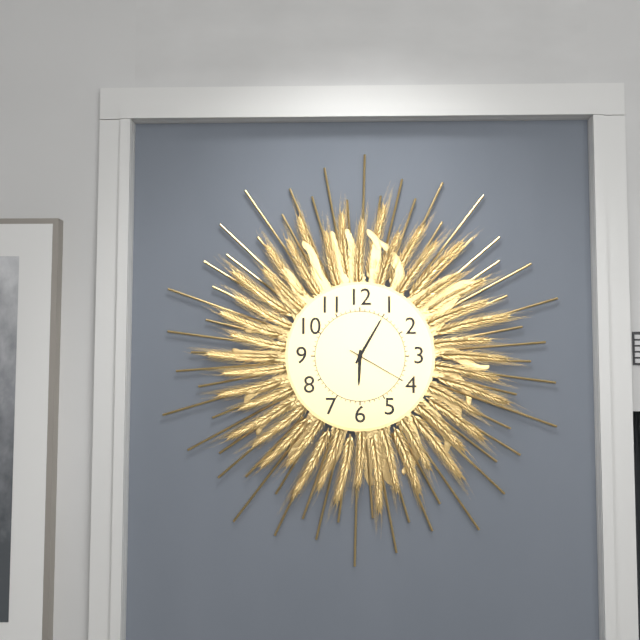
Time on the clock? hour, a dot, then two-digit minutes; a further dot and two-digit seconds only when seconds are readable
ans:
6.05.20
